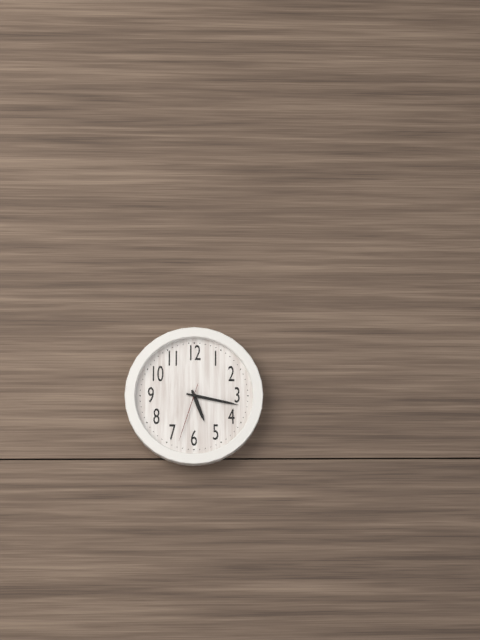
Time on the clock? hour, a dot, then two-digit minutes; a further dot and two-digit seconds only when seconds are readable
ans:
5.17.33
